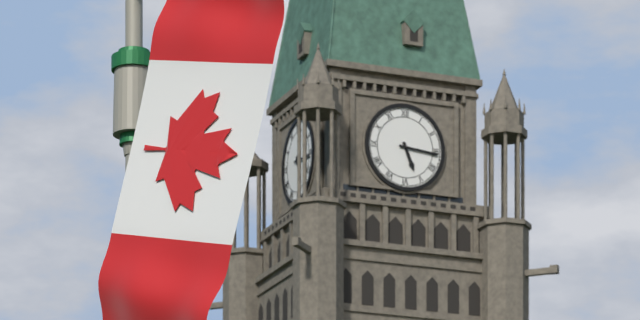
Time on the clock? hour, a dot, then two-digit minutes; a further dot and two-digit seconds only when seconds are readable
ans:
5.16
